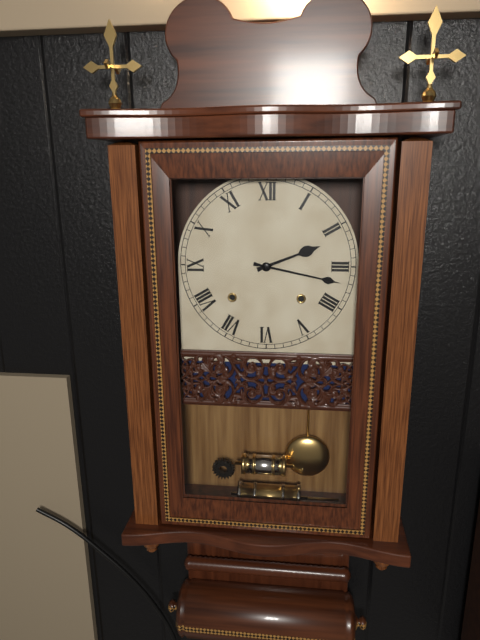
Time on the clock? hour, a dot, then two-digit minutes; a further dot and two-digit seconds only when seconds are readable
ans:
2.17
